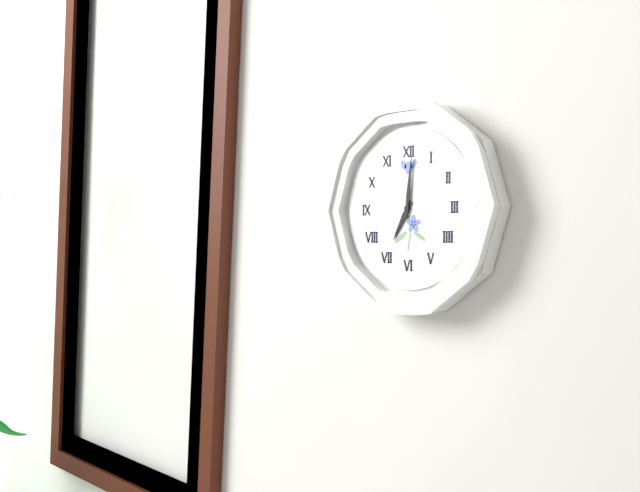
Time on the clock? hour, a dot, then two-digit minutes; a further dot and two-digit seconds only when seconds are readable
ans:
7.01
